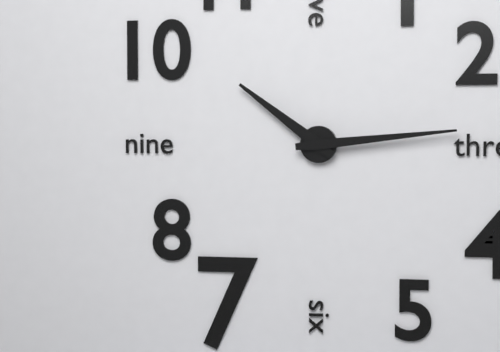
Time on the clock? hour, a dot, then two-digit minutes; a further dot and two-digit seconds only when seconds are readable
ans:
10.14
